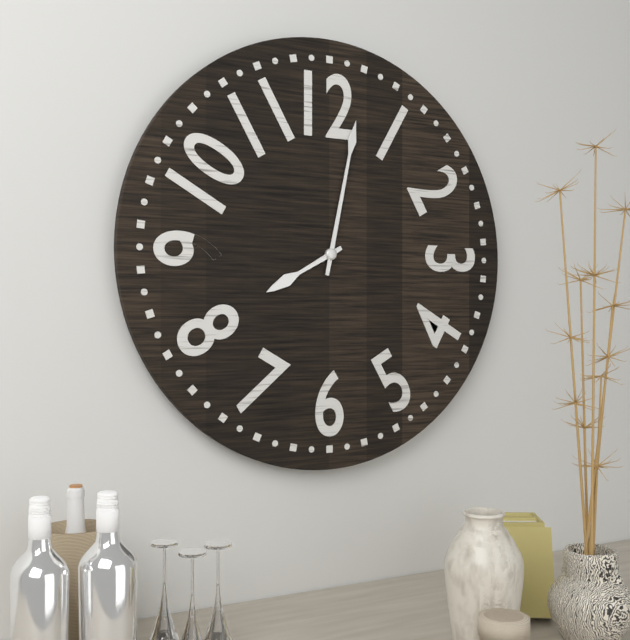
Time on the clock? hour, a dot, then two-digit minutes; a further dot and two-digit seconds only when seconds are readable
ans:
8.02
